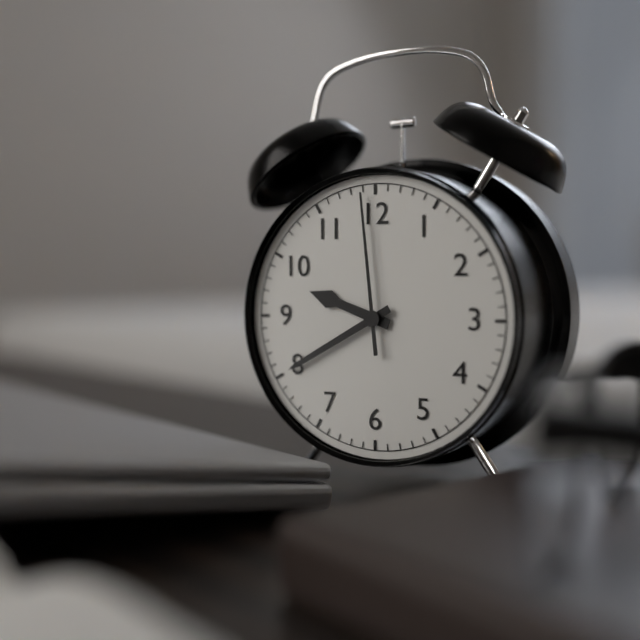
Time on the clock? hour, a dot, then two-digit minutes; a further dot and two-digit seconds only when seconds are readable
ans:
9.40.59
